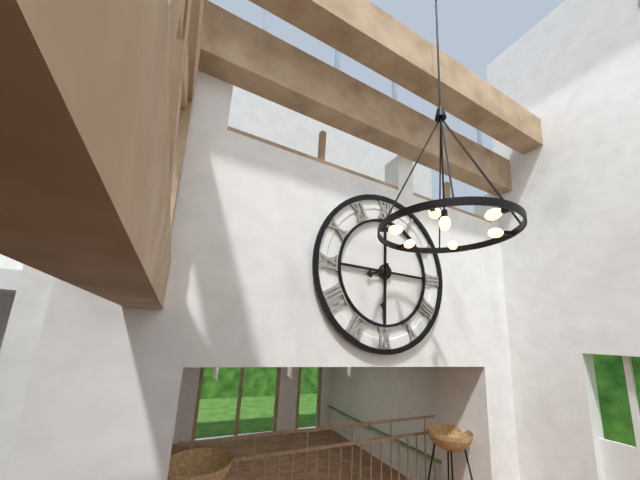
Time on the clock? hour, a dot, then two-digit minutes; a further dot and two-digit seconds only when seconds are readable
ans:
8.31
